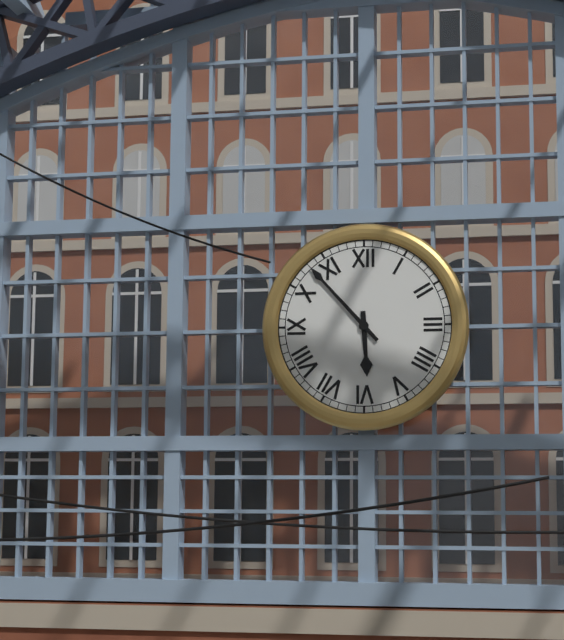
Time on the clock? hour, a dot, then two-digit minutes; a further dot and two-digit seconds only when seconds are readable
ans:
5.53
